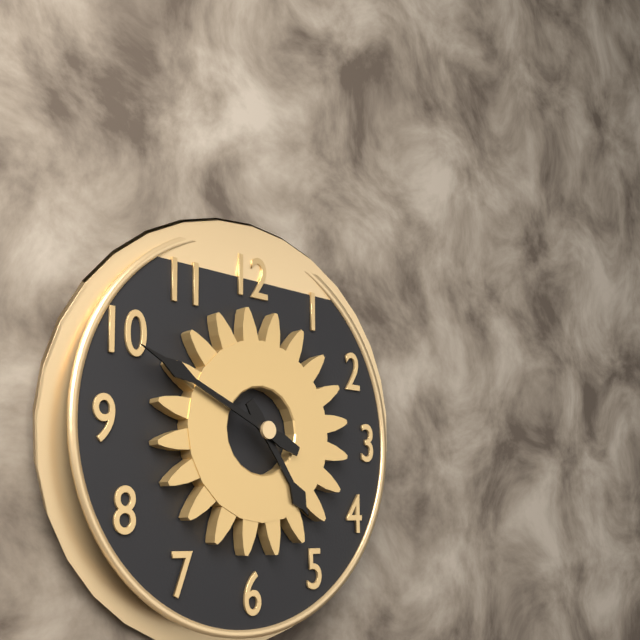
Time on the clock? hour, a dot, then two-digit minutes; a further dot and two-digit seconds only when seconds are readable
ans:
4.49
